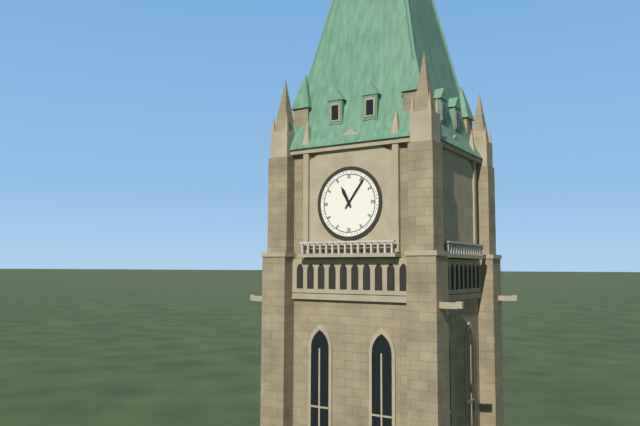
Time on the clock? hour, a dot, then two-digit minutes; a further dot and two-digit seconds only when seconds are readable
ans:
11.06
